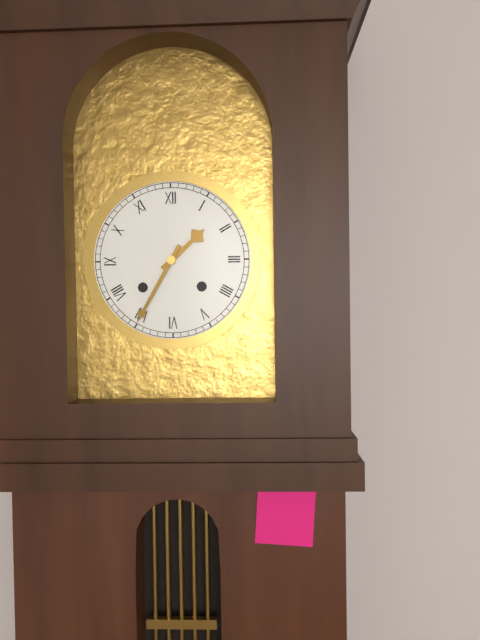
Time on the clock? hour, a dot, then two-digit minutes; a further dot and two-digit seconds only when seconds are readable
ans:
1.35
